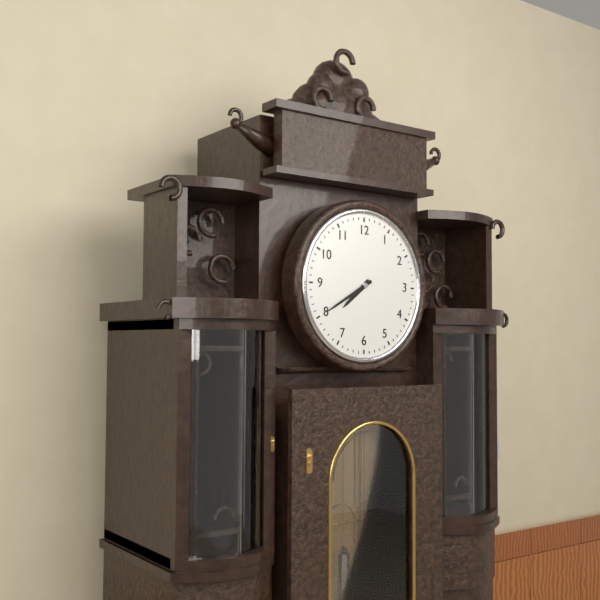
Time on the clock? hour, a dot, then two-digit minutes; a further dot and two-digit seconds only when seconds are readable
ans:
7.40
